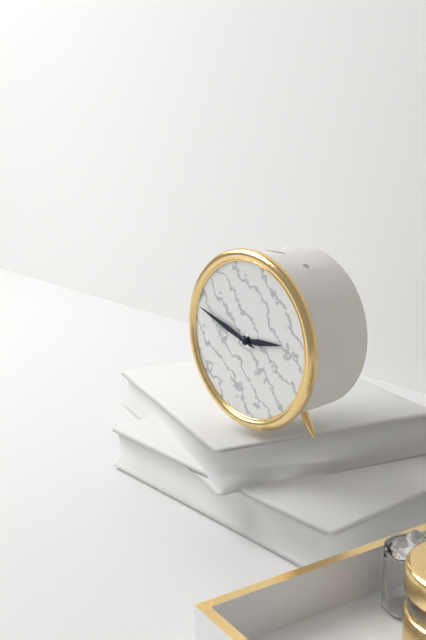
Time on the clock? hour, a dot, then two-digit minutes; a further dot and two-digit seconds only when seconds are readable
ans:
2.48
